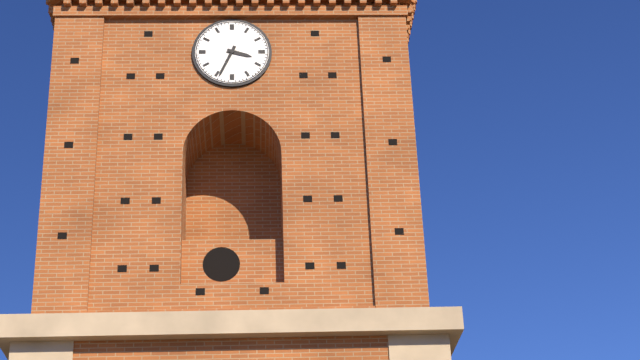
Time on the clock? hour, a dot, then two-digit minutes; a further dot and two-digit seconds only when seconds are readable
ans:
3.34
